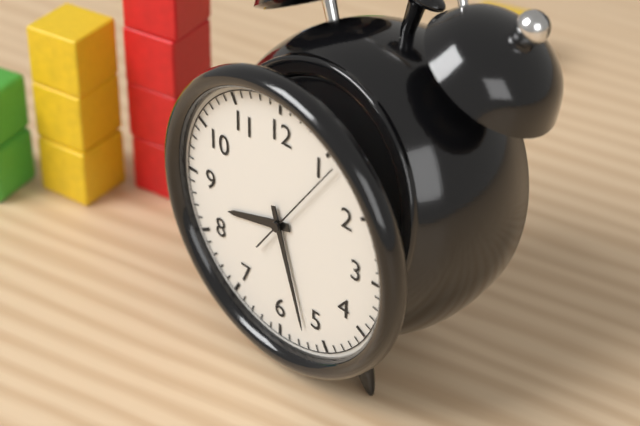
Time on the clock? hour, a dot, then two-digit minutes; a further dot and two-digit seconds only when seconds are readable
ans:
8.27.06
